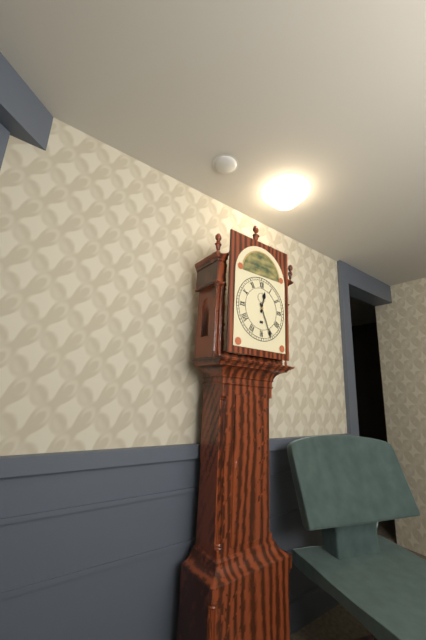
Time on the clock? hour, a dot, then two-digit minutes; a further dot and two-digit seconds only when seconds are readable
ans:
12.26
